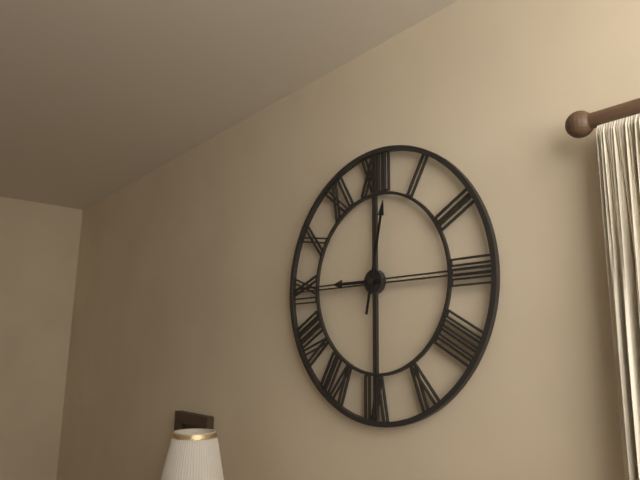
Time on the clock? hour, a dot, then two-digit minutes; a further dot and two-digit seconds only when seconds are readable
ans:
9.02
